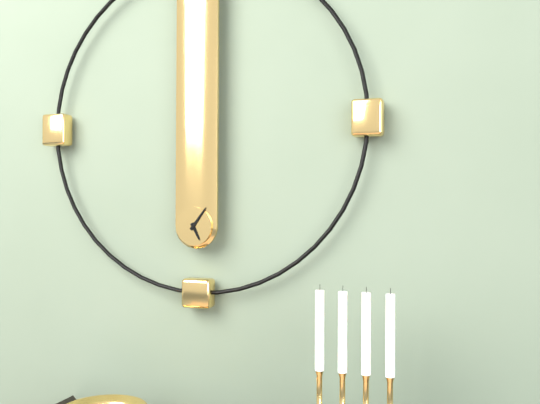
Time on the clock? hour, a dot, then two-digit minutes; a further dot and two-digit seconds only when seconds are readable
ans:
5.06
